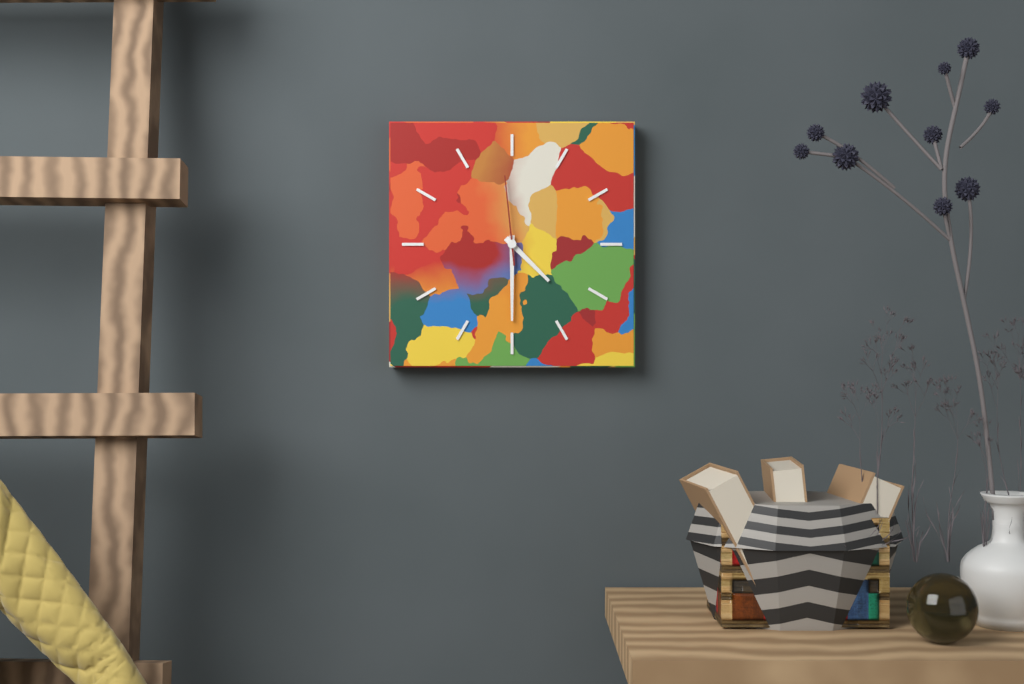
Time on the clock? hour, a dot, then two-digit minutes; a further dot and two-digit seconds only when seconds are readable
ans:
4.30.59
